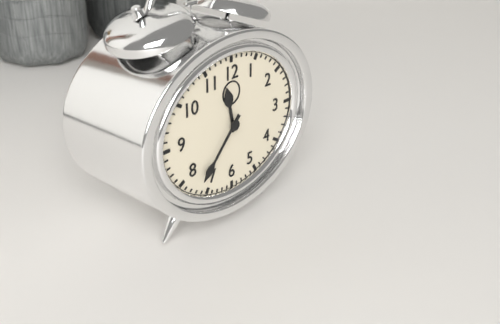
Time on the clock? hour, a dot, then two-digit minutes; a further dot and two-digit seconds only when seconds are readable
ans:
11.37
